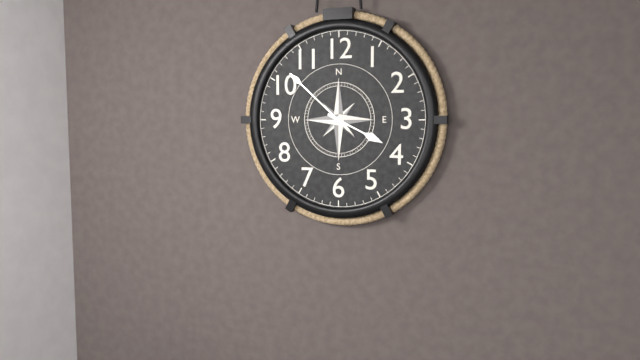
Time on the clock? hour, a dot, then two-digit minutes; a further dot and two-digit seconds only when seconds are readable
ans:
3.52
